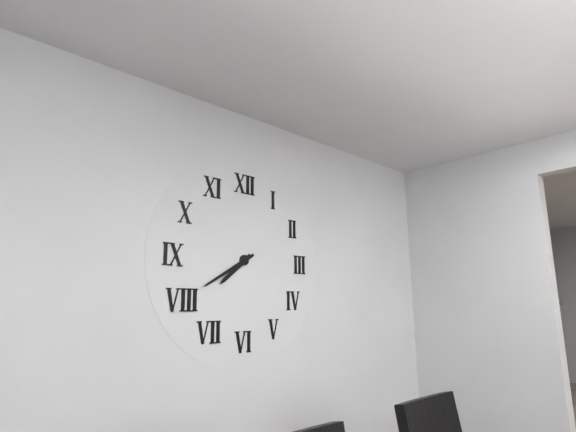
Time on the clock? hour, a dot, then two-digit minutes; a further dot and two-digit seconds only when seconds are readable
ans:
7.40
